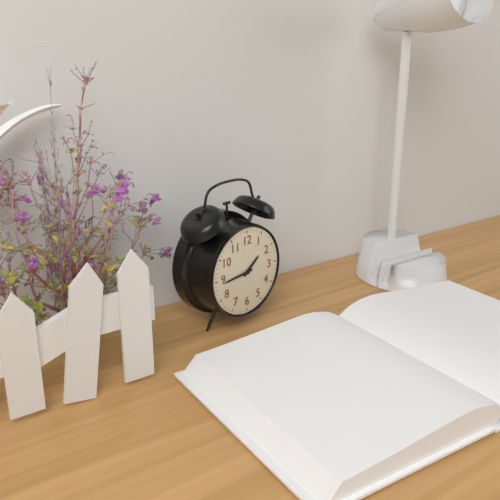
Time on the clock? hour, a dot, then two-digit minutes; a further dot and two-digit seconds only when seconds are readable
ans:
1.44
